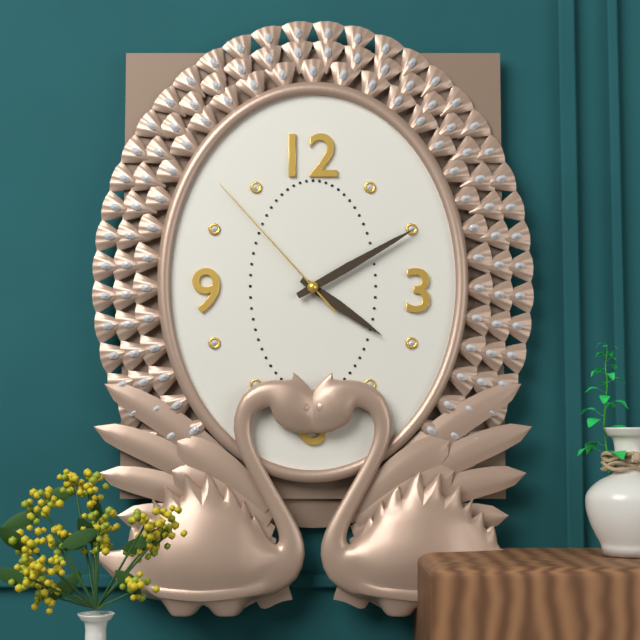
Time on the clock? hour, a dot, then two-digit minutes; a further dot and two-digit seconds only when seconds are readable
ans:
4.10.53
